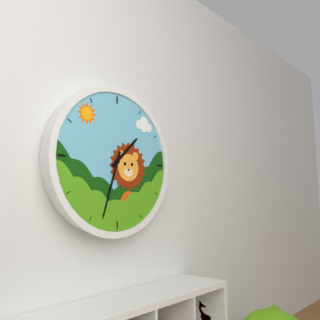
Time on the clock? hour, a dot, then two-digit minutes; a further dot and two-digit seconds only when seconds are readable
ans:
1.33
